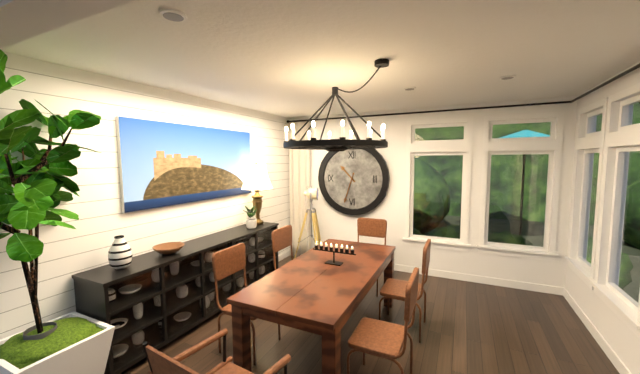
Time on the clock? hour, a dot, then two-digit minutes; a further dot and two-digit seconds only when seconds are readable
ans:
10.33
